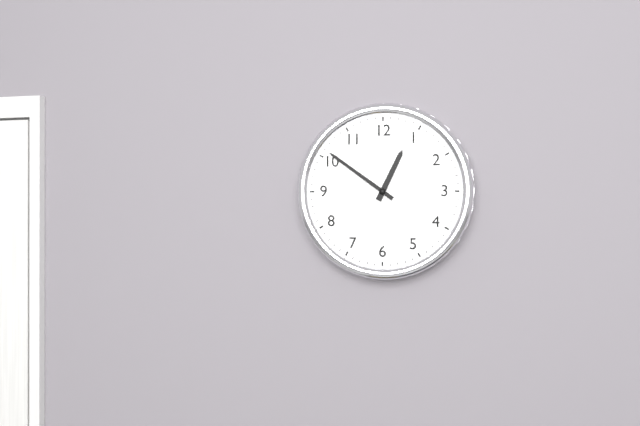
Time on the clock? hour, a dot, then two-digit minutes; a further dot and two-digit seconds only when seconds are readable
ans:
12.51
